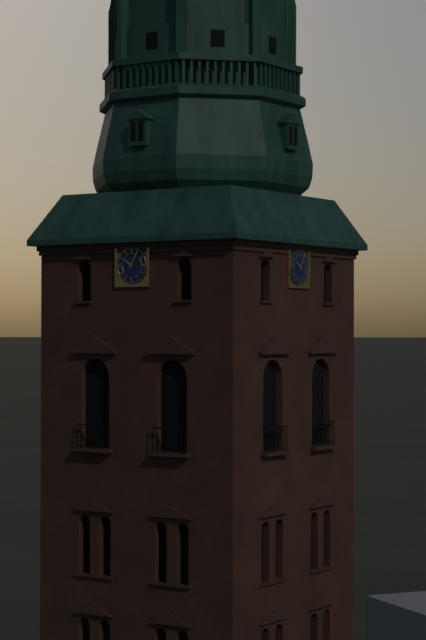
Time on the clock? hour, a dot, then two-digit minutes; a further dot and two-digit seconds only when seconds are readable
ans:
10.05
